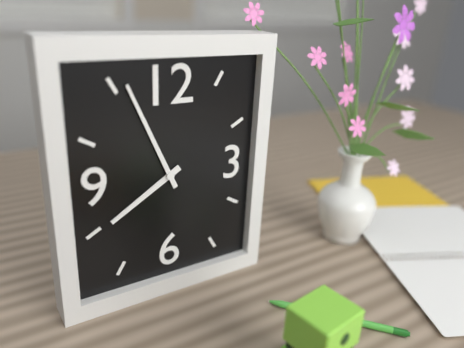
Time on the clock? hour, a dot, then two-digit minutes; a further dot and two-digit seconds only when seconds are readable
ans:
7.56
